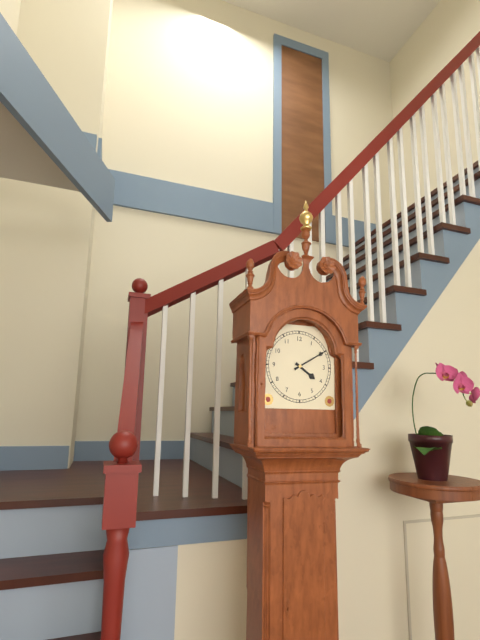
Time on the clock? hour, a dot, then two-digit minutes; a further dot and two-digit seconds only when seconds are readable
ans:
4.10
